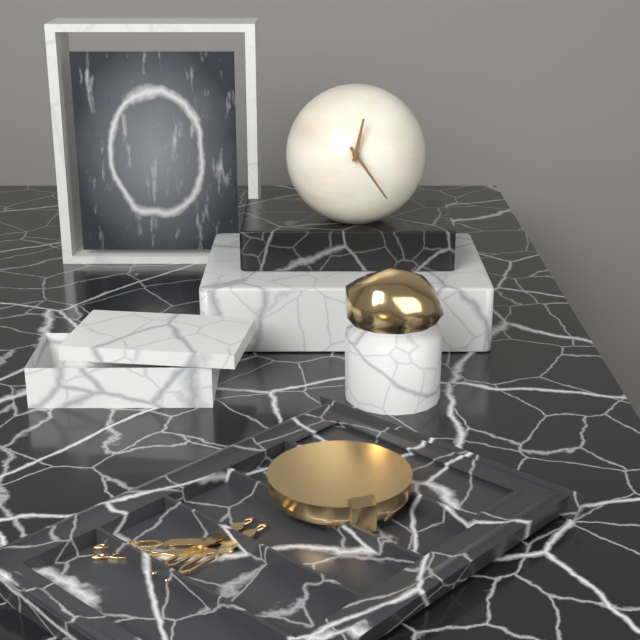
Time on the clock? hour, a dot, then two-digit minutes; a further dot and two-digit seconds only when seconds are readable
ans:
12.24
